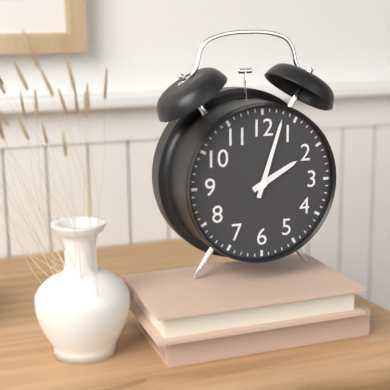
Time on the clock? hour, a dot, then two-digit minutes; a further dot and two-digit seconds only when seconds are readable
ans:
2.03
